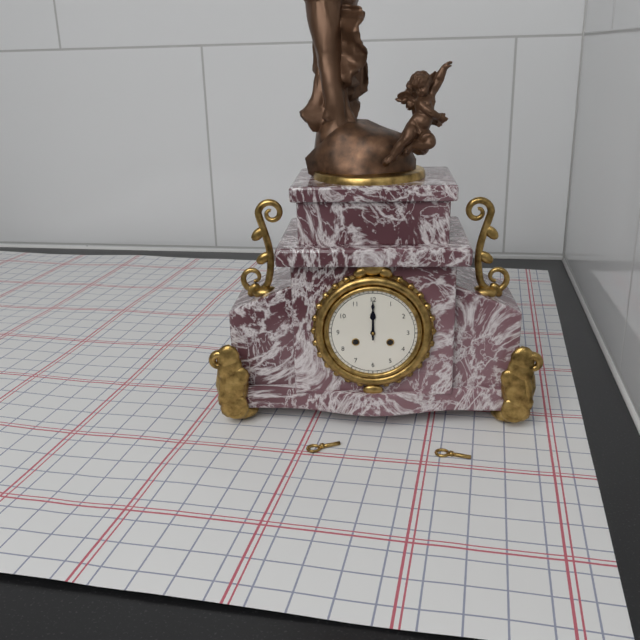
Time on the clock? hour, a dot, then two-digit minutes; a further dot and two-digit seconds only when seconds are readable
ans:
12.00
